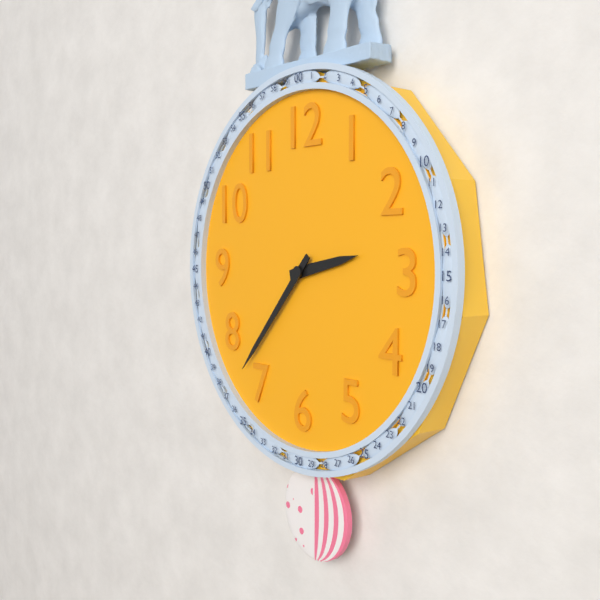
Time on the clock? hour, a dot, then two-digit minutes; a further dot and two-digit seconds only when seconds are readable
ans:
2.37
